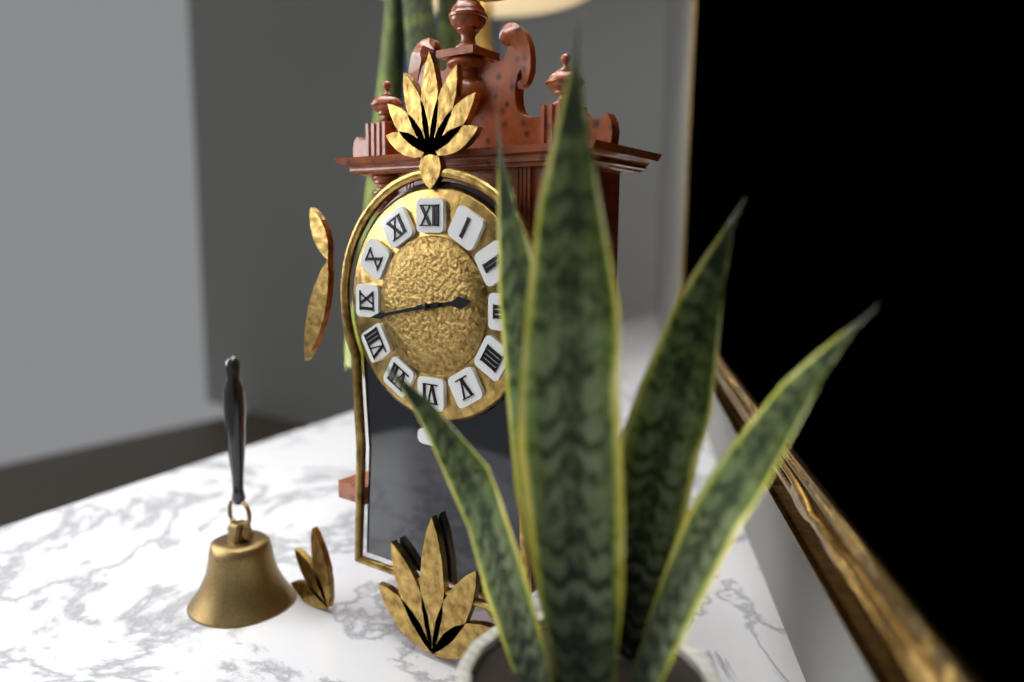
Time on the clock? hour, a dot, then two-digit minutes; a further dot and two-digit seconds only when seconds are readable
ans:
2.43
